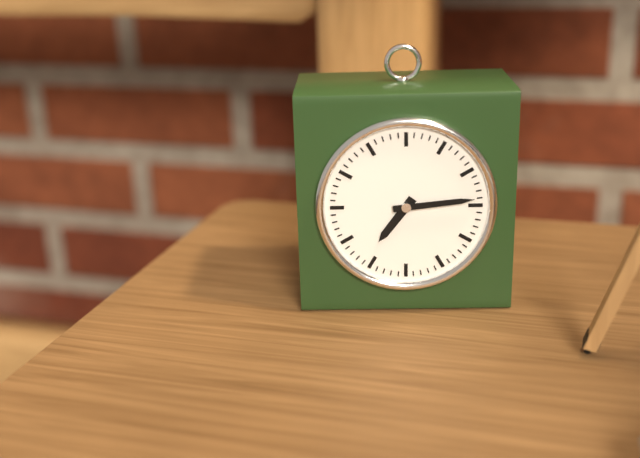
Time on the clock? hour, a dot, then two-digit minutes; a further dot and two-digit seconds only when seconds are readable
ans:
7.14
